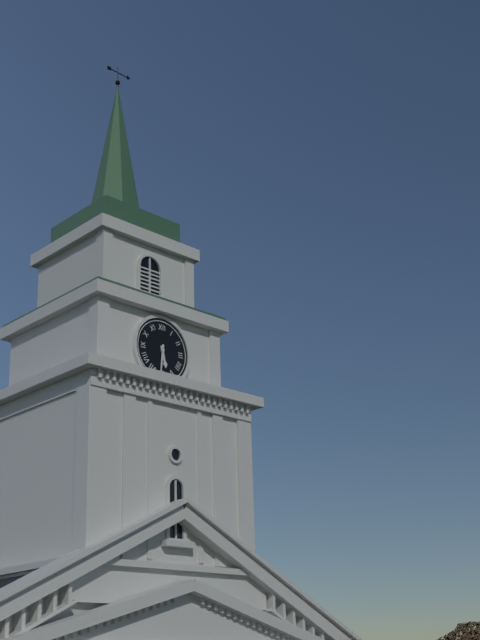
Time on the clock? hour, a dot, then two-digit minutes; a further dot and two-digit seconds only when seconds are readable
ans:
5.31
